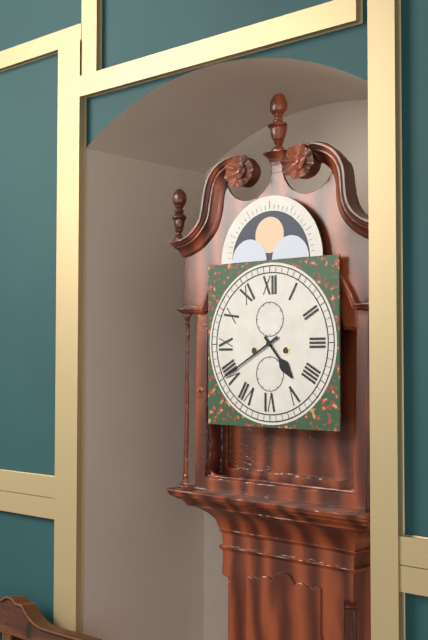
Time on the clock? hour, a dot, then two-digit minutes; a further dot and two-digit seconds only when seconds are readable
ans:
4.40
